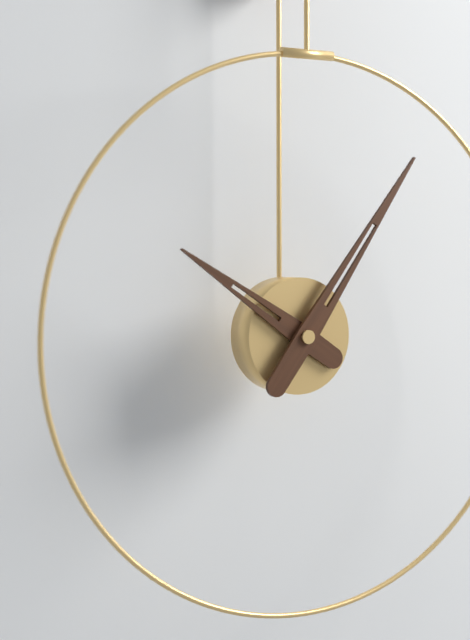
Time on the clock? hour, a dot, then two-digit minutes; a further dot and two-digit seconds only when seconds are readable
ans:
10.06
